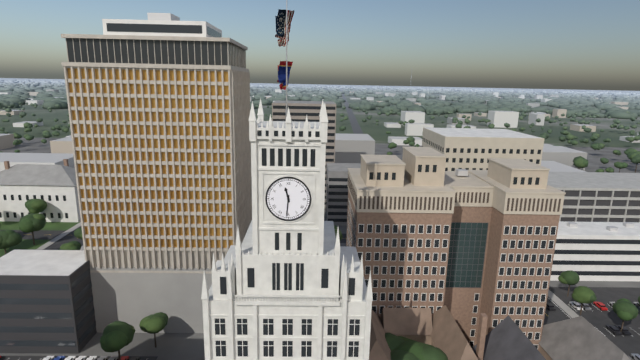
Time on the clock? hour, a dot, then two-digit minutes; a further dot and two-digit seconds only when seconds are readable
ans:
11.31
